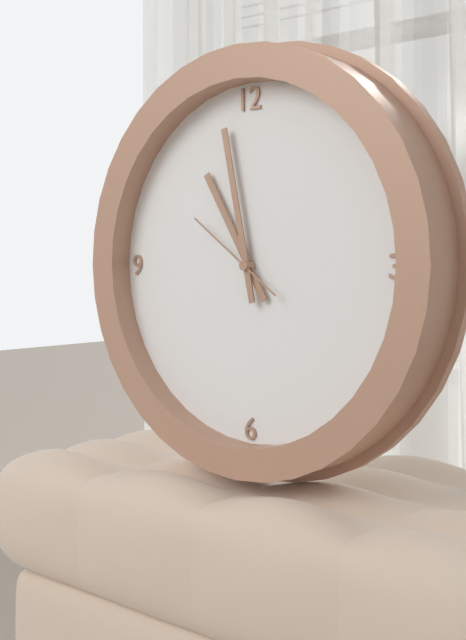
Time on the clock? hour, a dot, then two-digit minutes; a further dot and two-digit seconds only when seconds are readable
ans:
10.58.51
